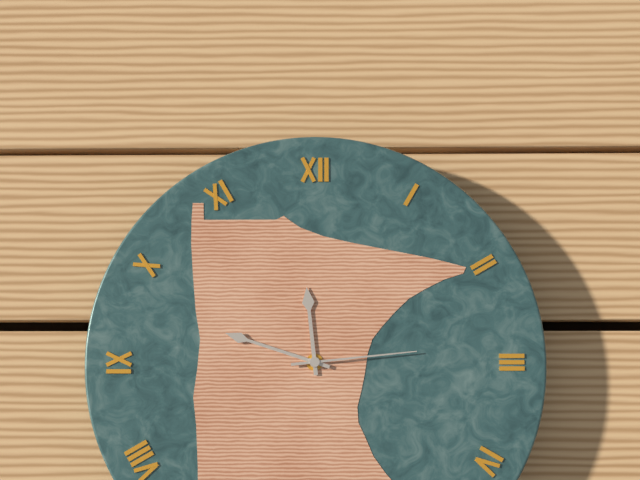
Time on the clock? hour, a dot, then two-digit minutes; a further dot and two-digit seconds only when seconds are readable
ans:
11.48.14
